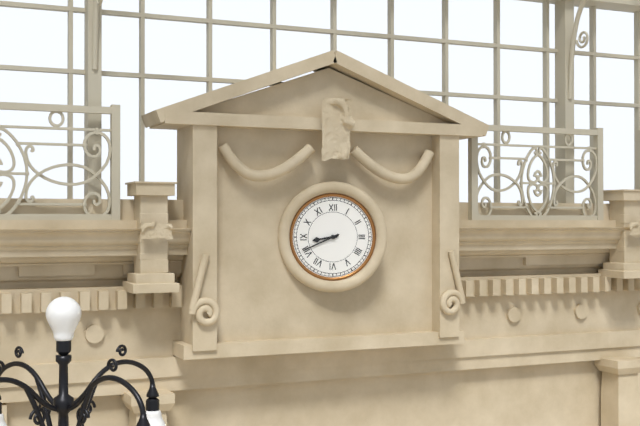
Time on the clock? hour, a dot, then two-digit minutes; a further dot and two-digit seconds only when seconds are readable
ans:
8.41
